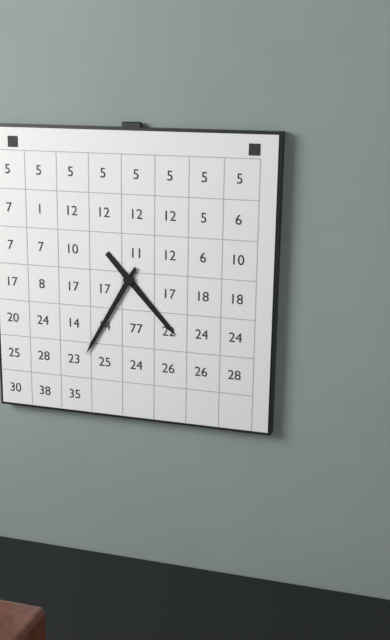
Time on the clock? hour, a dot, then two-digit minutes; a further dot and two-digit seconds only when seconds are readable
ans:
4.35
